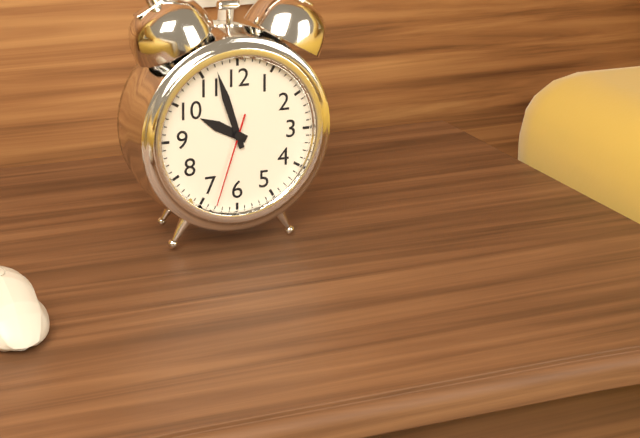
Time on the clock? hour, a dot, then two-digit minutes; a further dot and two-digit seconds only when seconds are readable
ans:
9.57.33
